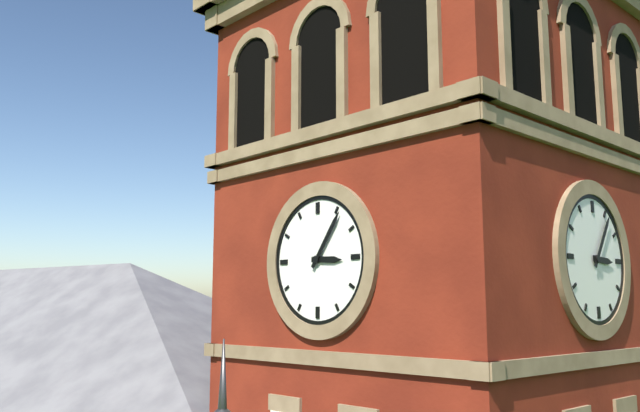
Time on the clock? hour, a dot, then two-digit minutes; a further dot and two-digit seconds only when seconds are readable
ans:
3.06
